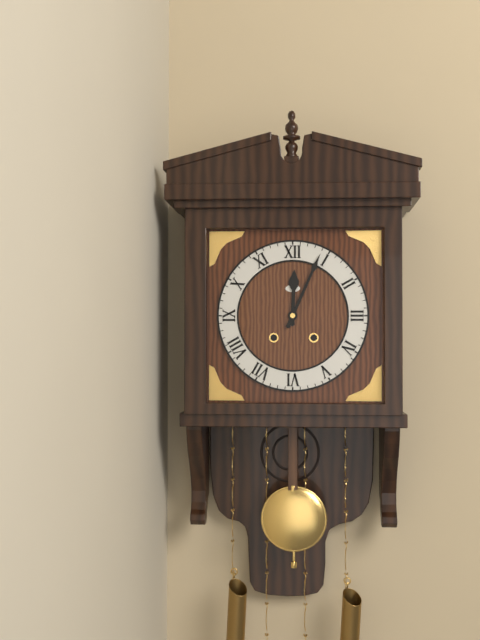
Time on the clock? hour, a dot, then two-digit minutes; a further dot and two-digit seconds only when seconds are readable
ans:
12.04
